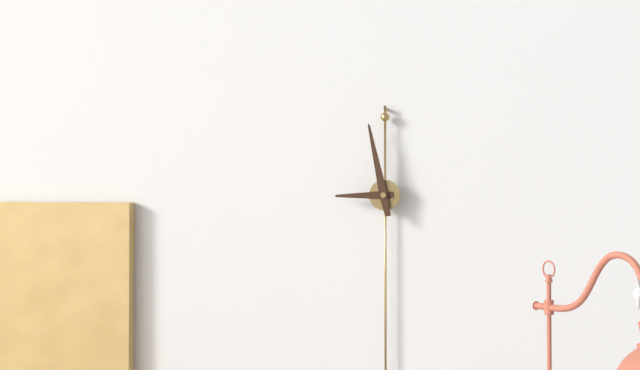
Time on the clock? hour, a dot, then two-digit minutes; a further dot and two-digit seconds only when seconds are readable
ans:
8.58
